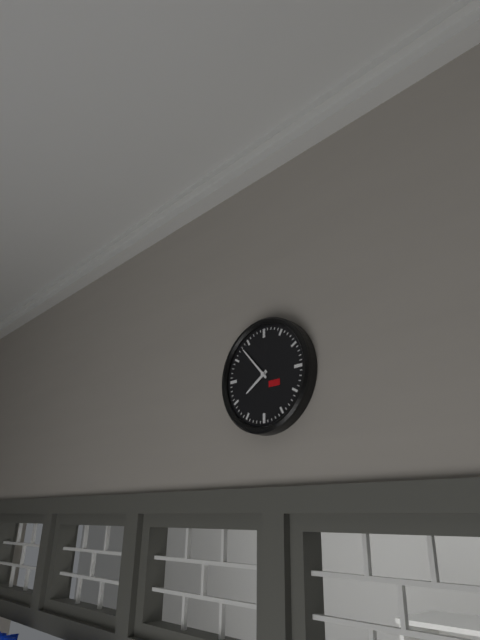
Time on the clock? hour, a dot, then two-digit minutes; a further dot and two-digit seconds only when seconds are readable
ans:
7.53
